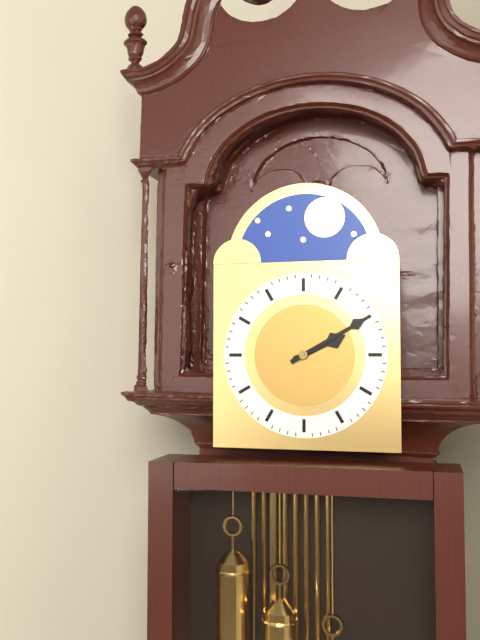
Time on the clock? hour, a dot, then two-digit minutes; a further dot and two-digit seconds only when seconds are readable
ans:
2.10
